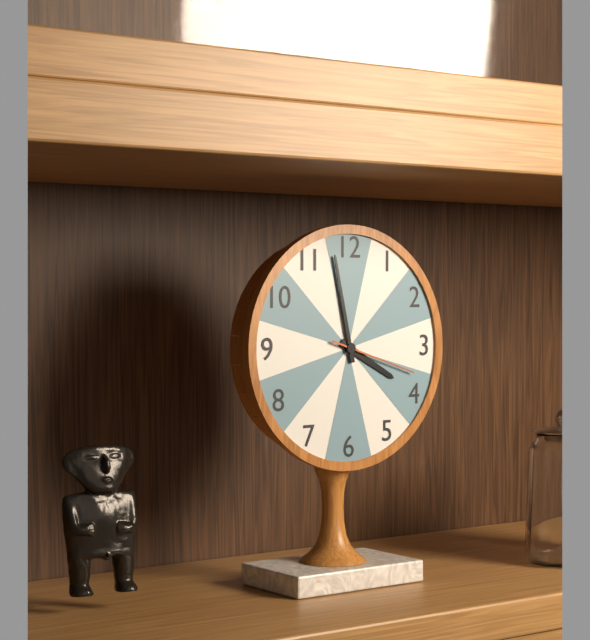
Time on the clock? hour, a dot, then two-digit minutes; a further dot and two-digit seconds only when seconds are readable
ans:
3.58.18
